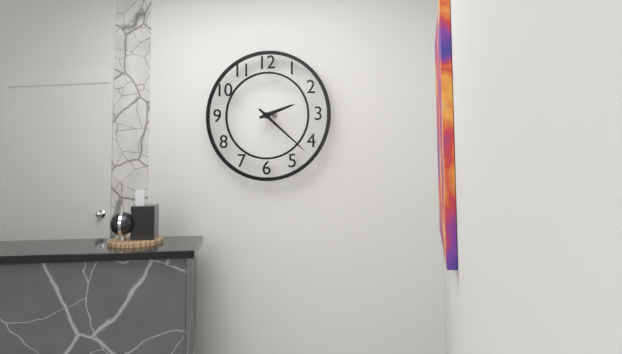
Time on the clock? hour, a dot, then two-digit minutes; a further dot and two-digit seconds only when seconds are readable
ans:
2.22
